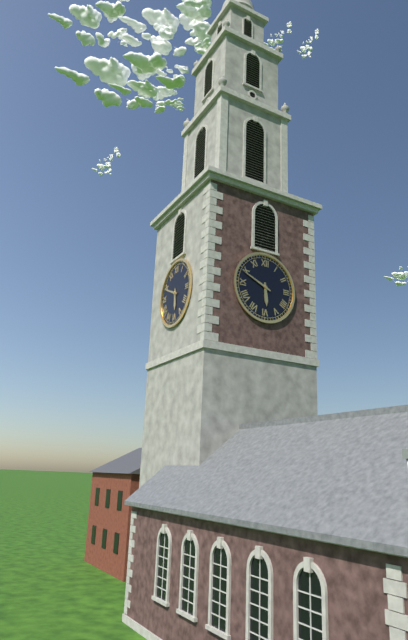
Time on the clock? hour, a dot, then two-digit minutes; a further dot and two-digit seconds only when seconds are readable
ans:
5.49
